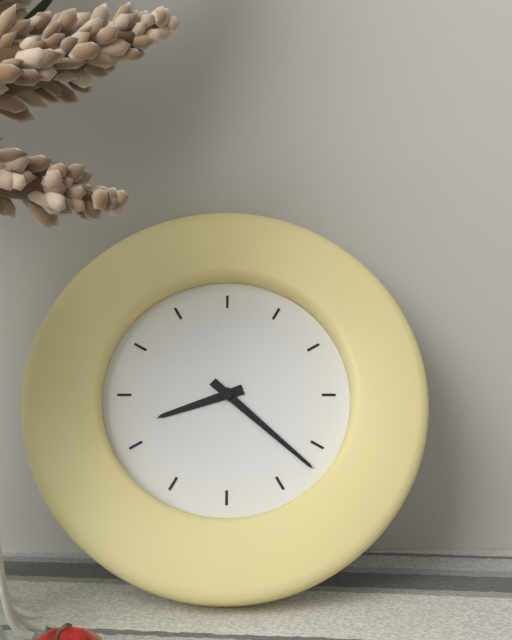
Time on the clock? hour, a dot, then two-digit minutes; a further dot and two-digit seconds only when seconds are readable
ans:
8.22
